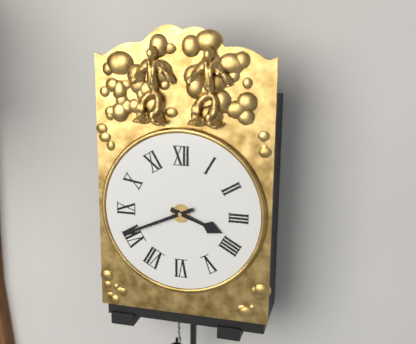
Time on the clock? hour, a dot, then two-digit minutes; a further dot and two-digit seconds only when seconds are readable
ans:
3.41
